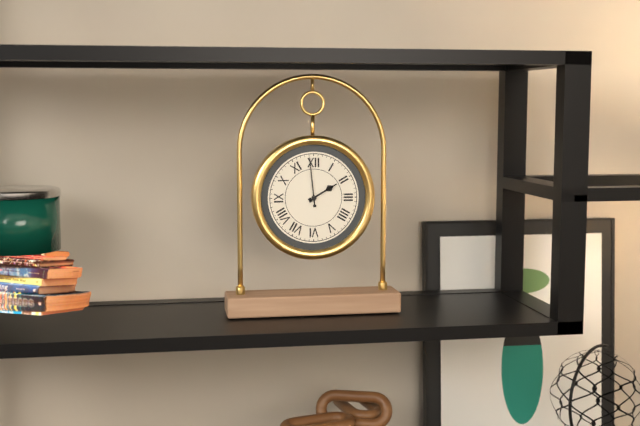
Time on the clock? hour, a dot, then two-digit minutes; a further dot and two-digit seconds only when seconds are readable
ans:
1.59
